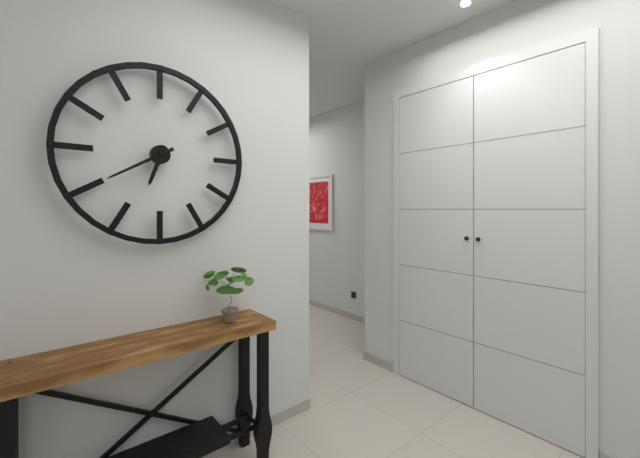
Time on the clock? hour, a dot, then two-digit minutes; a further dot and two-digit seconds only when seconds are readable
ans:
6.40
